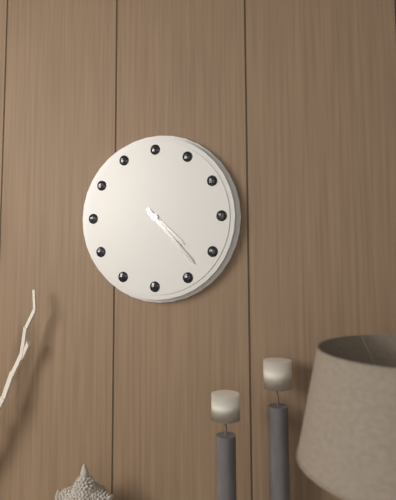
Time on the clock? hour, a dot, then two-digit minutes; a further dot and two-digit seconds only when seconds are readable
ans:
4.23
